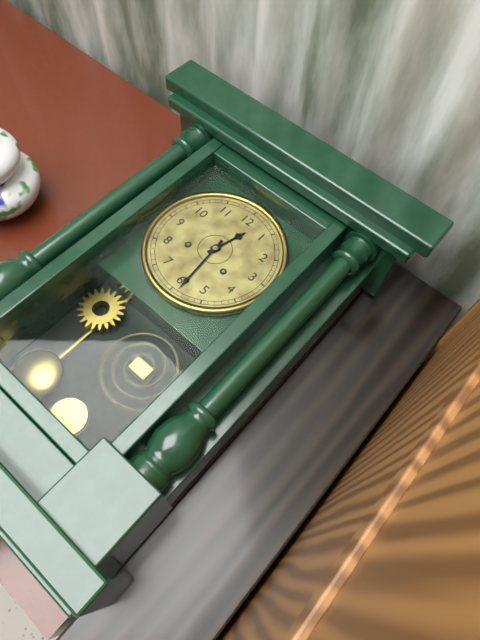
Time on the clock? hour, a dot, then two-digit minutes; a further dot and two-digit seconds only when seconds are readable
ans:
12.29
